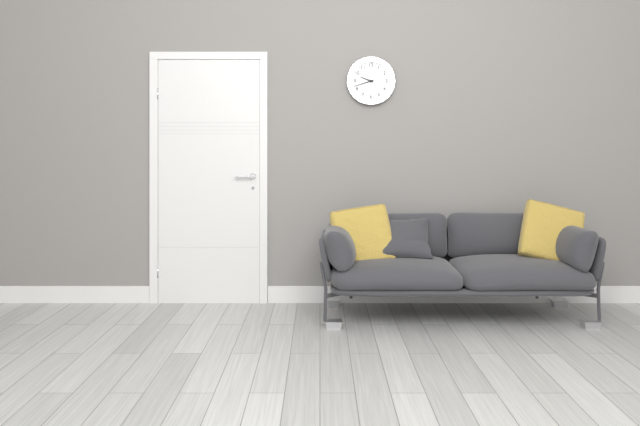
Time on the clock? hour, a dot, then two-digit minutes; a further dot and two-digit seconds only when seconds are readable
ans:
9.42
